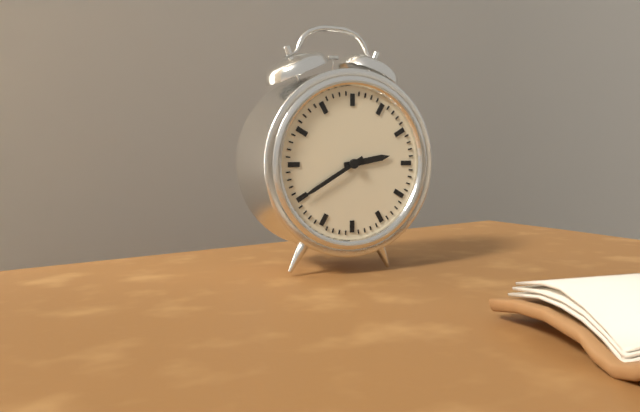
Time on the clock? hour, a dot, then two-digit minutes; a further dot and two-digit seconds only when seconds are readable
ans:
2.40
